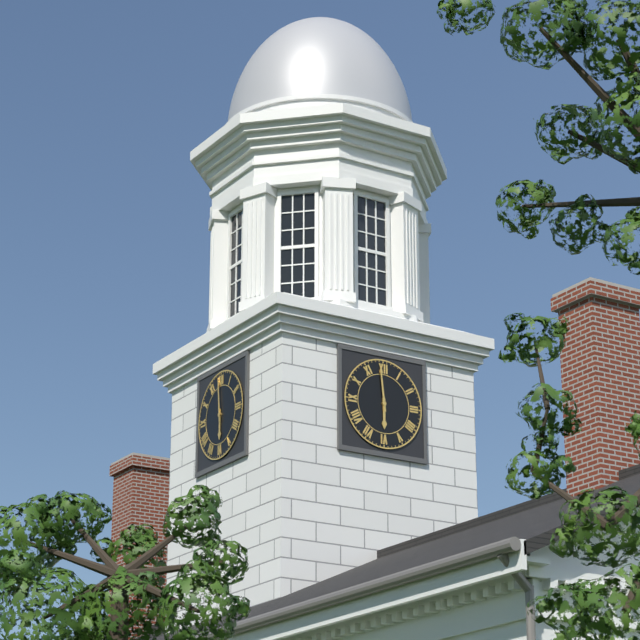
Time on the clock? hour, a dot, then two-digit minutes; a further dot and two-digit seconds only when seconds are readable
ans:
5.59
